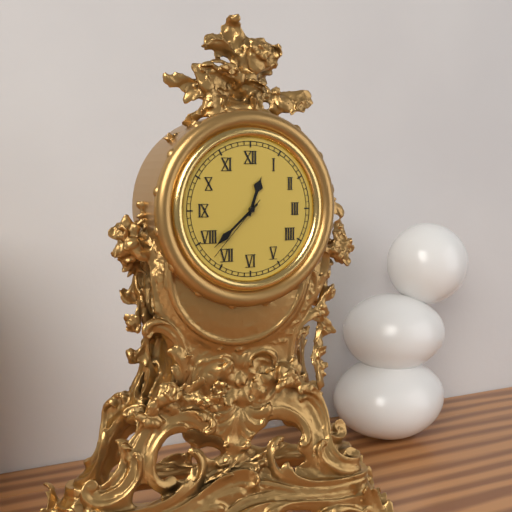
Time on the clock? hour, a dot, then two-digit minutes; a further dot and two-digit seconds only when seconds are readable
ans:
12.38.37
